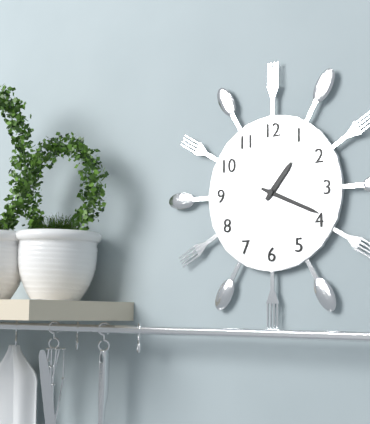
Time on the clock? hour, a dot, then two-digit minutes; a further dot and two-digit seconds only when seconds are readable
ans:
1.19
